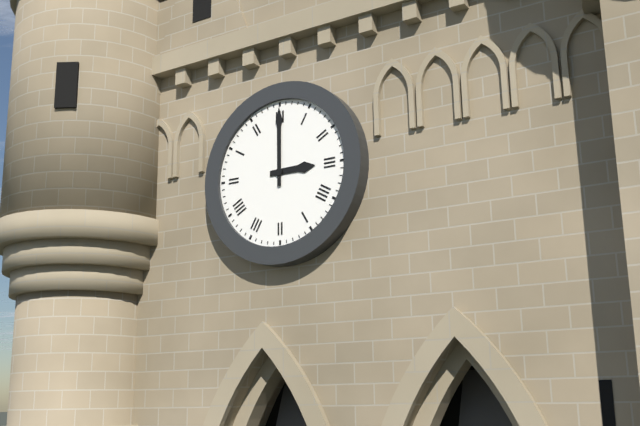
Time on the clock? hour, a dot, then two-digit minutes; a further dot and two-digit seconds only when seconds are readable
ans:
3.00
